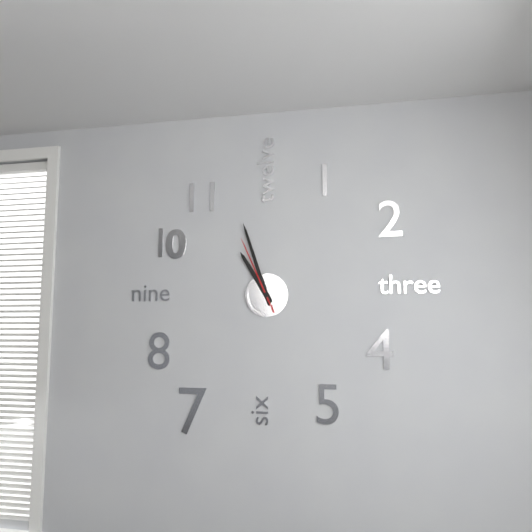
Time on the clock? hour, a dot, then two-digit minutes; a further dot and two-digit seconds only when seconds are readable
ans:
10.57.56
